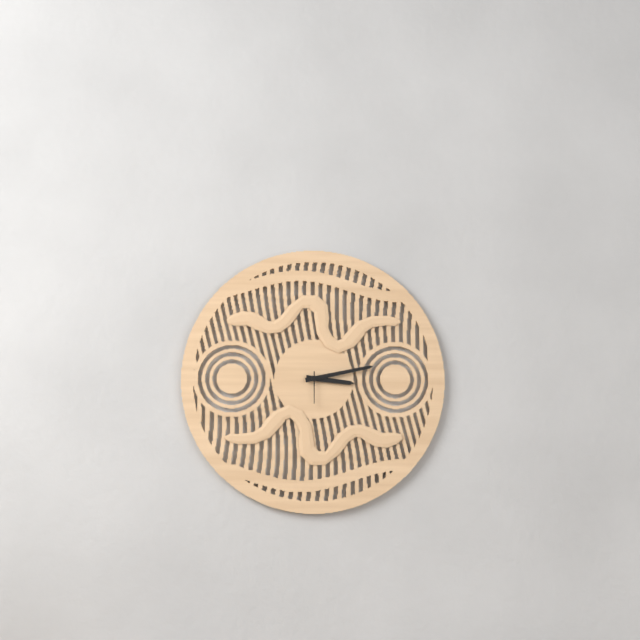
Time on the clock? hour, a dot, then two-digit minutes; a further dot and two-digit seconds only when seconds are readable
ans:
3.13
